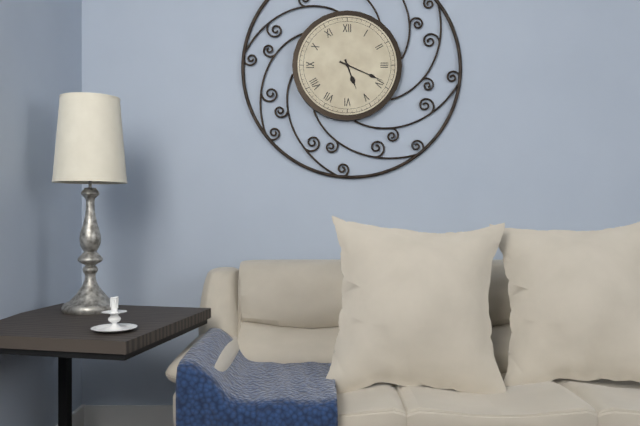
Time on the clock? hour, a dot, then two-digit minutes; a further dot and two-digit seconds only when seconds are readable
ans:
5.19
